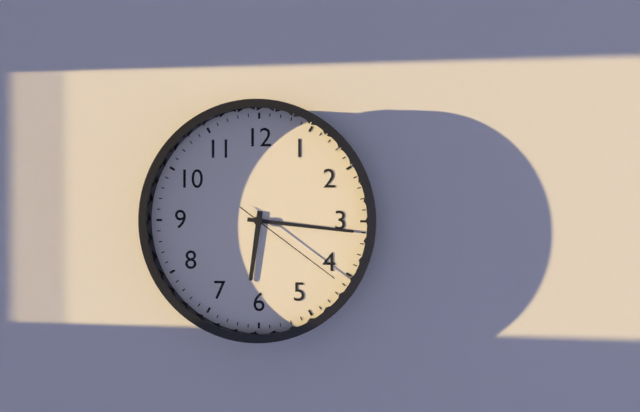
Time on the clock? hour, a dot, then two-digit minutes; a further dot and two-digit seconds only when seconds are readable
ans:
6.16.21
